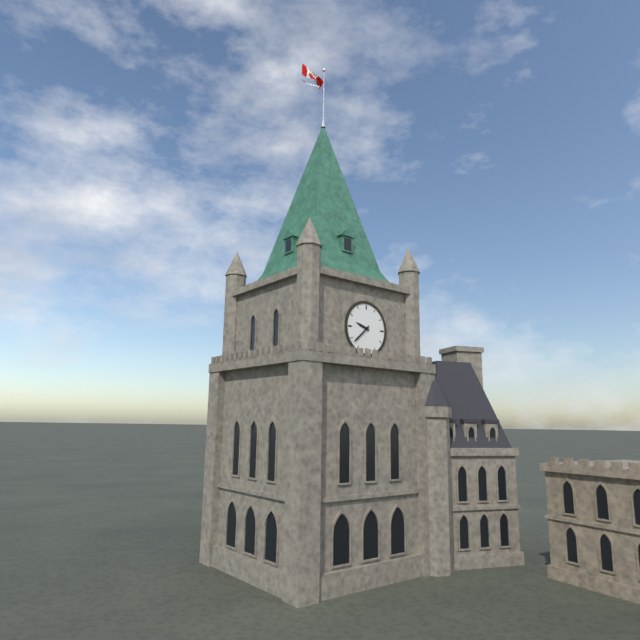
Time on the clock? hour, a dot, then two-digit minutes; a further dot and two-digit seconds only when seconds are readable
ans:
9.38
